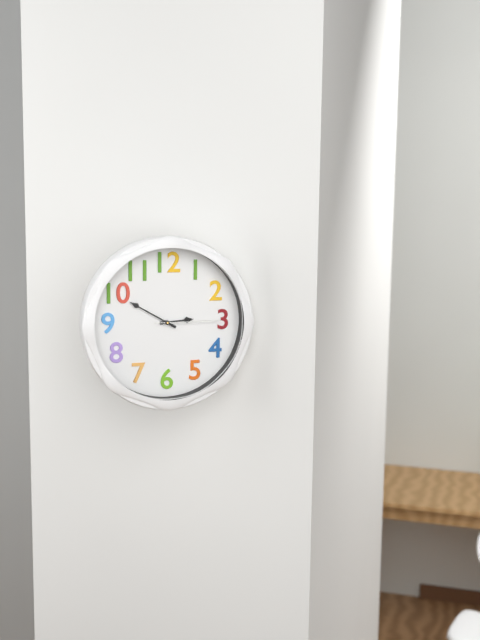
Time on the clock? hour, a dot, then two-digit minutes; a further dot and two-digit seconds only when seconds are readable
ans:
2.50.15
